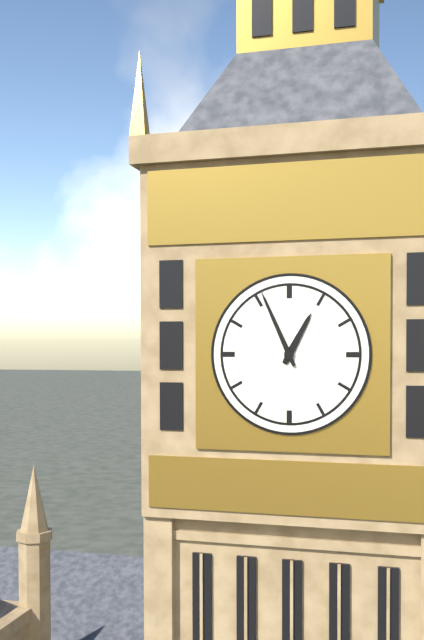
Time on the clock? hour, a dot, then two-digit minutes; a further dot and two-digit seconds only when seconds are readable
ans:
12.56
